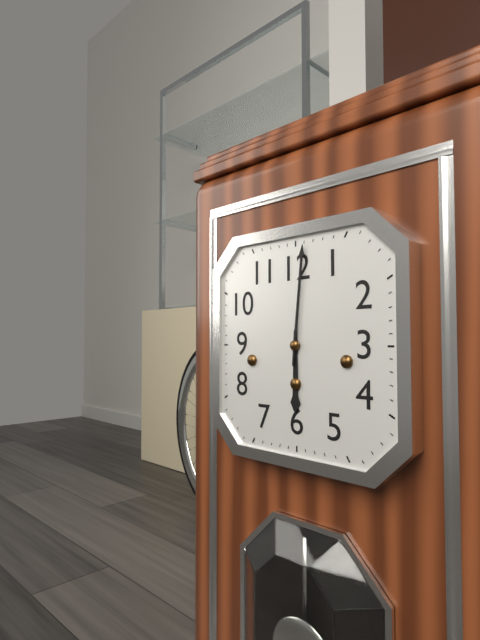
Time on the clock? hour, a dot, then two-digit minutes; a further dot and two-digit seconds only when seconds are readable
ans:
6.01
